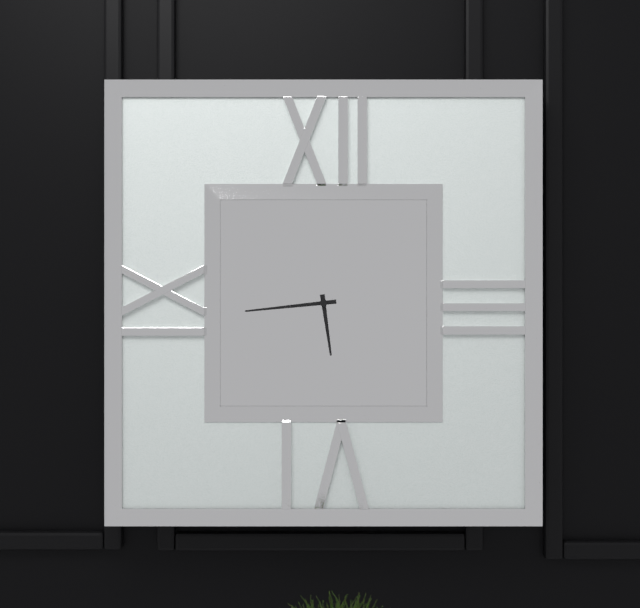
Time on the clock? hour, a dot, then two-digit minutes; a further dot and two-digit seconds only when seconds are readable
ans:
5.44
